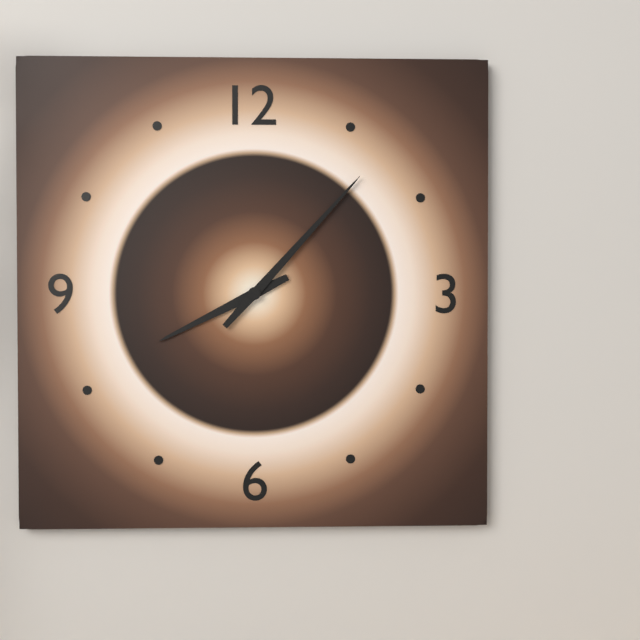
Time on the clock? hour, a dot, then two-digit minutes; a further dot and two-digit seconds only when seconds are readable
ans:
8.07
